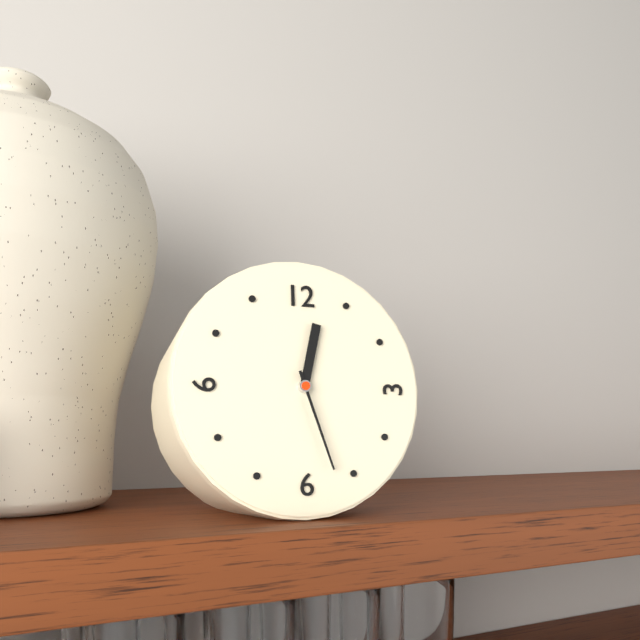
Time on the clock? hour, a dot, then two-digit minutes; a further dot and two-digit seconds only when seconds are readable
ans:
12.27
